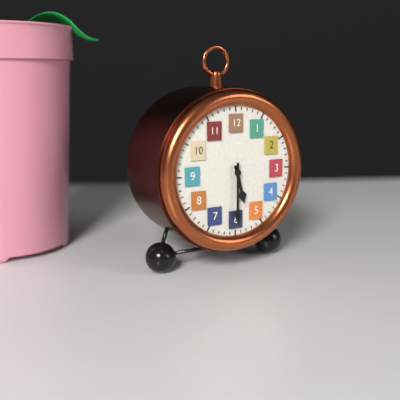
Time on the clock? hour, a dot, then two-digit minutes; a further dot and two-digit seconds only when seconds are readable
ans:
5.30
